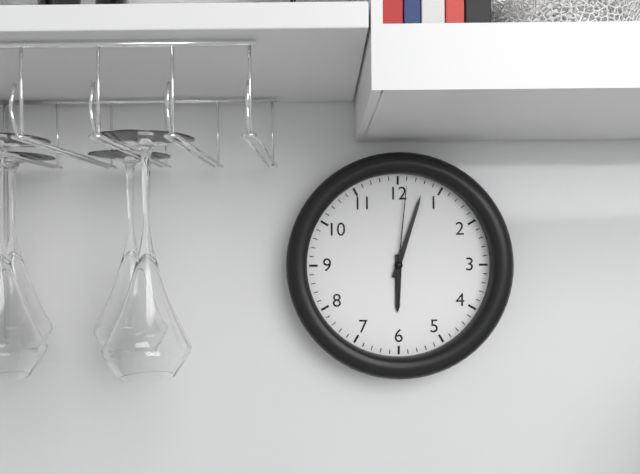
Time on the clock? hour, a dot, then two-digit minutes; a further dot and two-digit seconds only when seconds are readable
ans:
6.03.01
